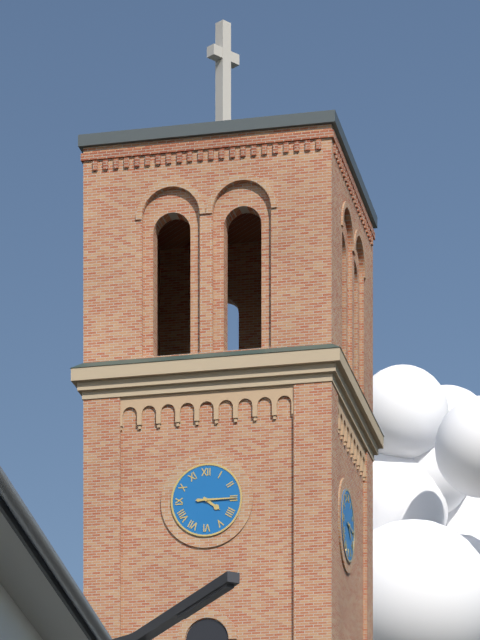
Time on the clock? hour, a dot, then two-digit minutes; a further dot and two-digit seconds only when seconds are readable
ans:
4.15
